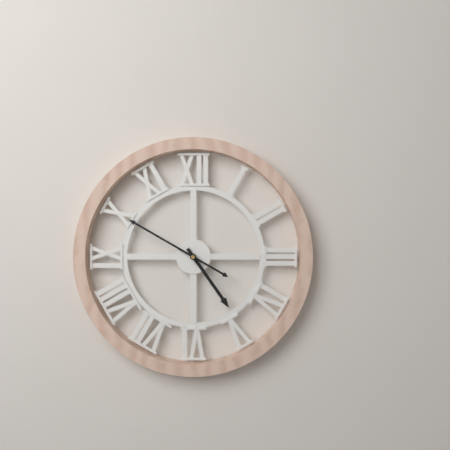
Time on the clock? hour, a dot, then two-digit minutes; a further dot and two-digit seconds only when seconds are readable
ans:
4.50
